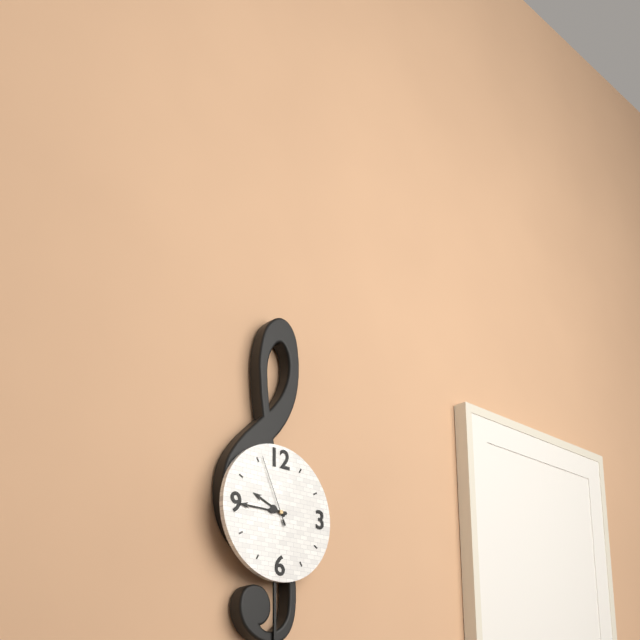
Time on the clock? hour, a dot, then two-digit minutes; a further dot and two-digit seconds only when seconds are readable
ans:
9.45.56
